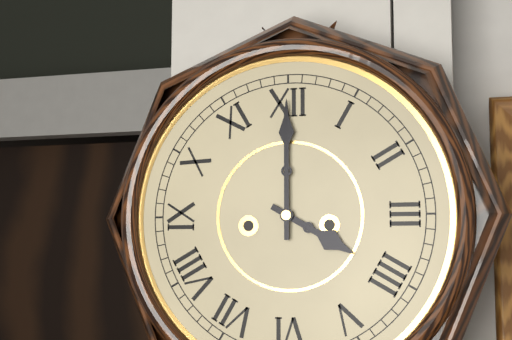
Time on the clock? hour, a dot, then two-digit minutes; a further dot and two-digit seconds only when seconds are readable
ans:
4.00
